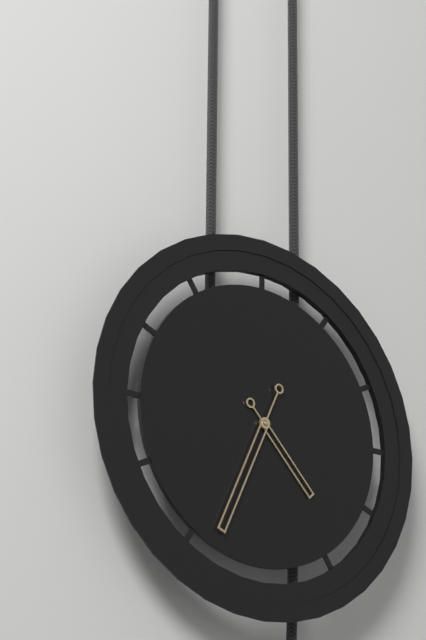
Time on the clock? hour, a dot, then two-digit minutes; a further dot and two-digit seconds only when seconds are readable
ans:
4.34
